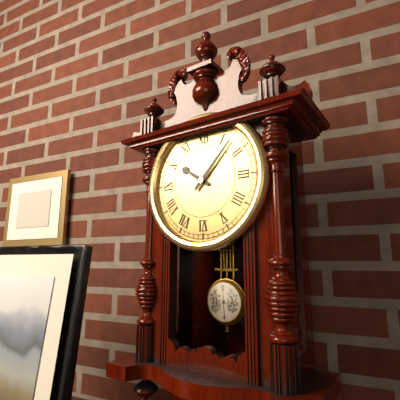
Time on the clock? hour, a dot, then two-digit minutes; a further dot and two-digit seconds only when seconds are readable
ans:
10.07
